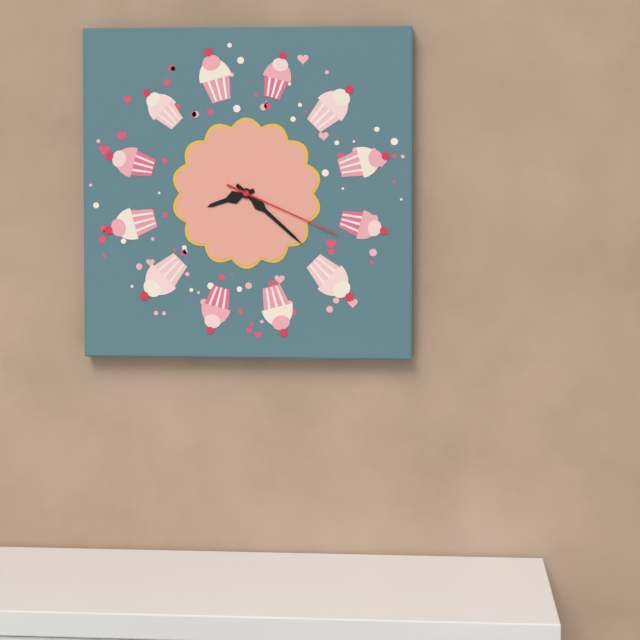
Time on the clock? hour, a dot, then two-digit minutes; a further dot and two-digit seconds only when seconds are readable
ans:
8.22.19
